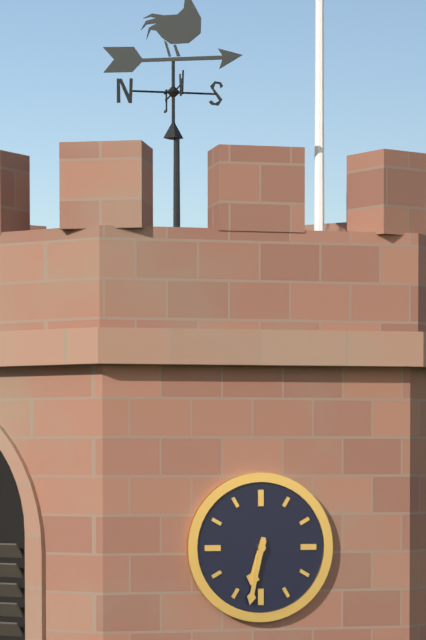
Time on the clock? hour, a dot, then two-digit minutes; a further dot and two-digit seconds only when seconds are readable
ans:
6.32
